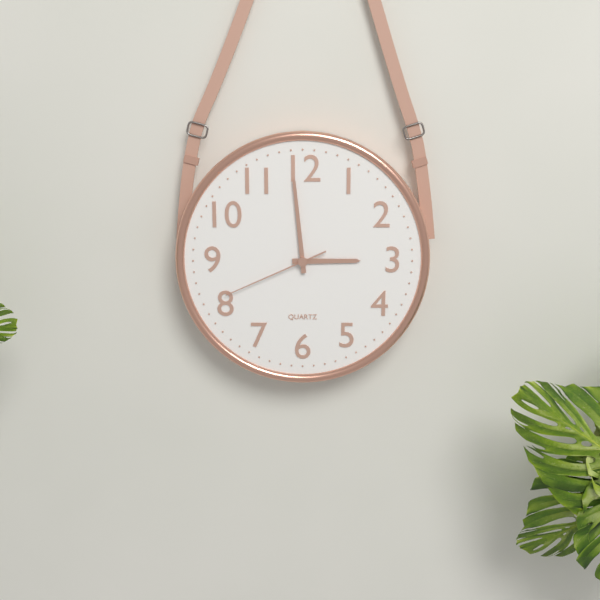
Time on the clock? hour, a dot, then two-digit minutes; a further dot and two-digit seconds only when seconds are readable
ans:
2.59.41
